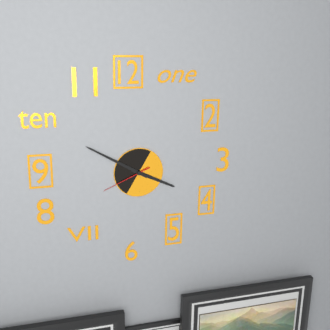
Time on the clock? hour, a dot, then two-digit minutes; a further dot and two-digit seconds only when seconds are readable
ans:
3.50.41
